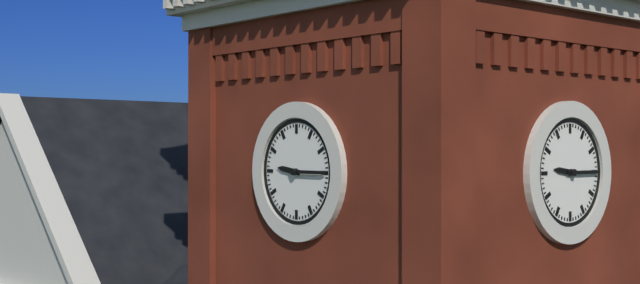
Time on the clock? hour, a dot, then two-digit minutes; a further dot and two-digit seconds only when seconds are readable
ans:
9.15
